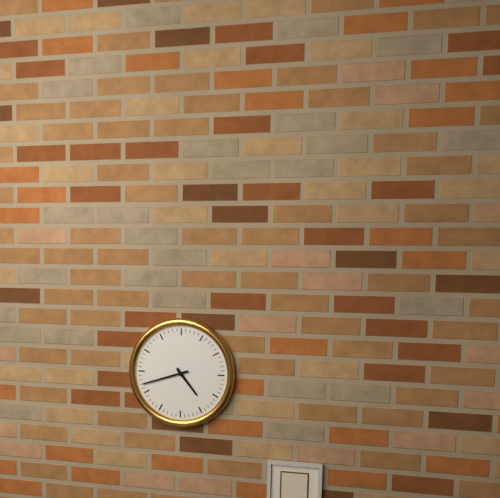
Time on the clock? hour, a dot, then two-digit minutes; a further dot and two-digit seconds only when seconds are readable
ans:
4.42
